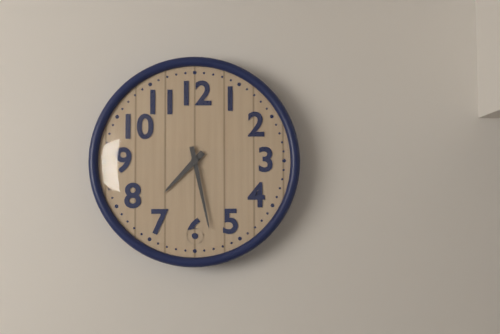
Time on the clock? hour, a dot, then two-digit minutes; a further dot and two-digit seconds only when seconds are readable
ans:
7.28
